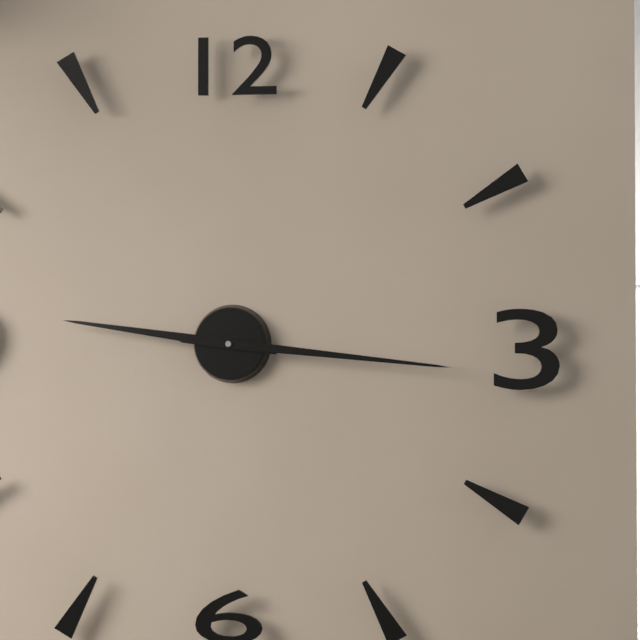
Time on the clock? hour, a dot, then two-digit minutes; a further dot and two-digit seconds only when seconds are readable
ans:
9.16
